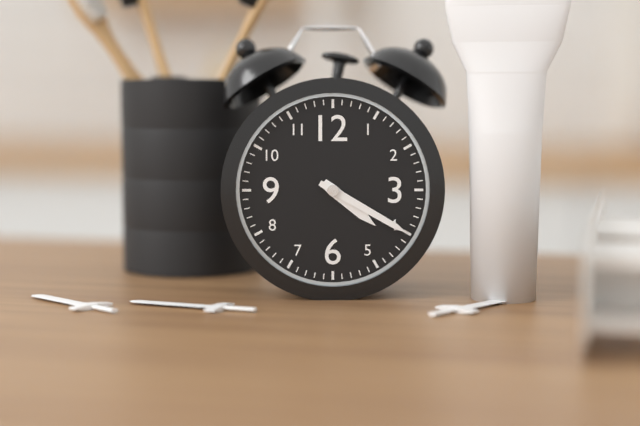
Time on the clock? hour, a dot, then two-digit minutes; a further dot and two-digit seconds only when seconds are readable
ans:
4.20
